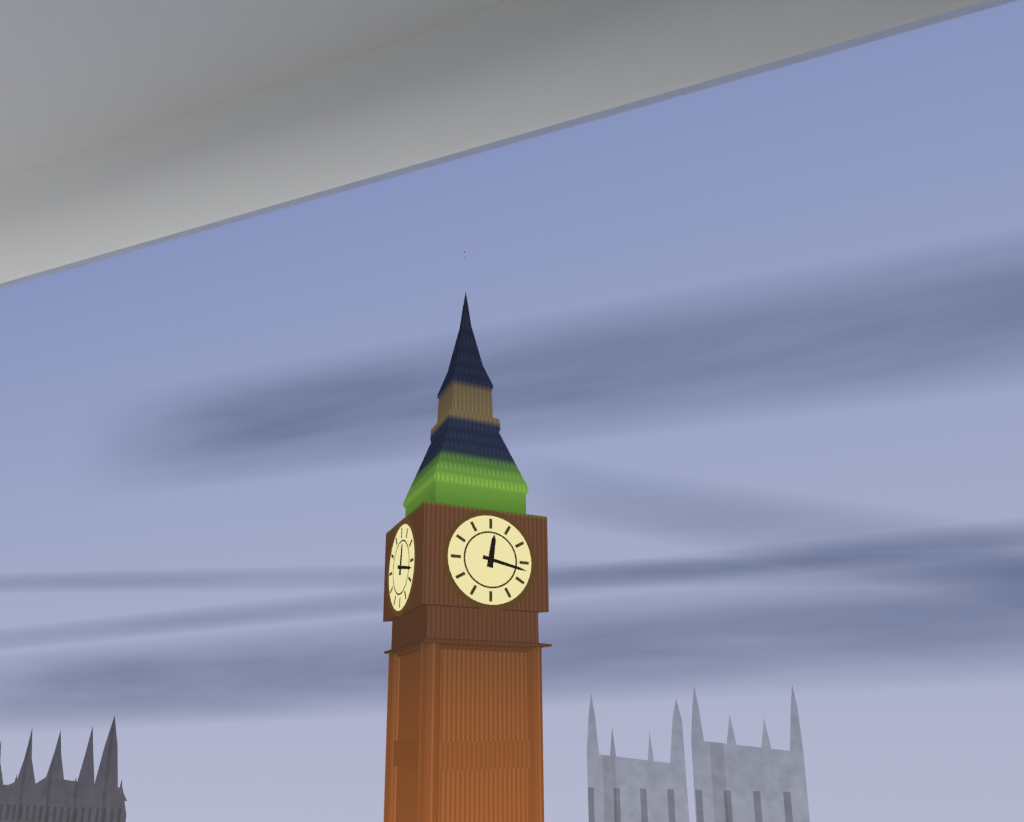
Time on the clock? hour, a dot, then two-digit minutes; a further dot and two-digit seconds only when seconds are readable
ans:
12.17
